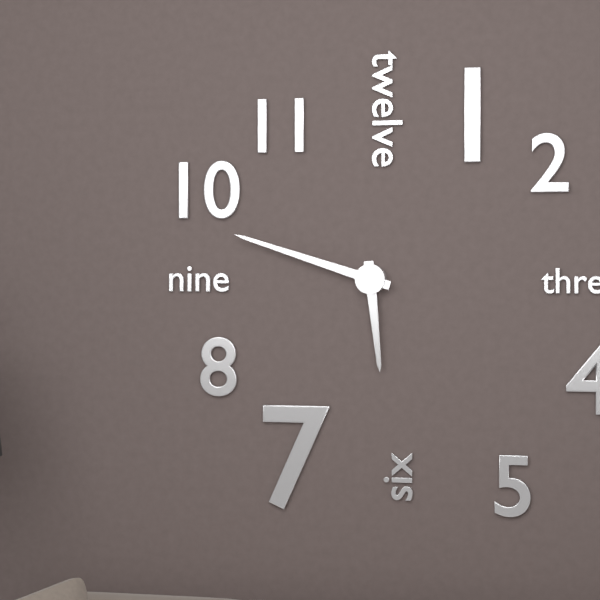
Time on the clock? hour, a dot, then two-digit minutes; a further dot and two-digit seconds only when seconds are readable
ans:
5.48
